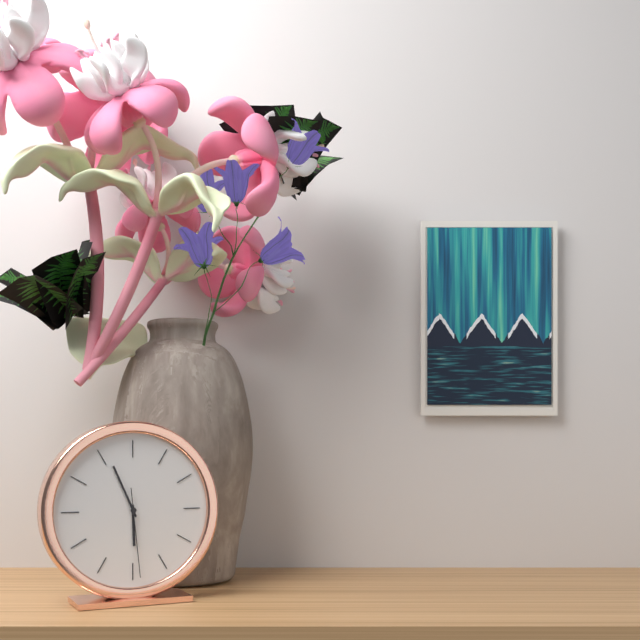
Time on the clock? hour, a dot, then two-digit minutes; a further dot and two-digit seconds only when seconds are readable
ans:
5.56.29
